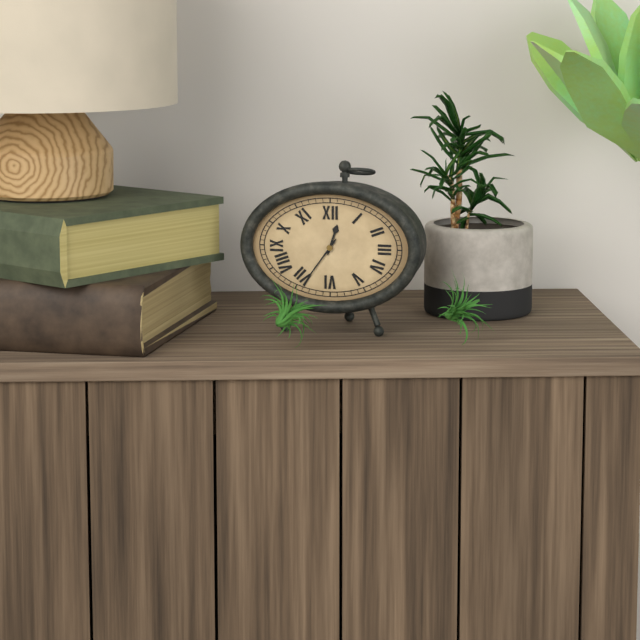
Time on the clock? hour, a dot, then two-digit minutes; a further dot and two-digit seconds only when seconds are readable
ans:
12.36
